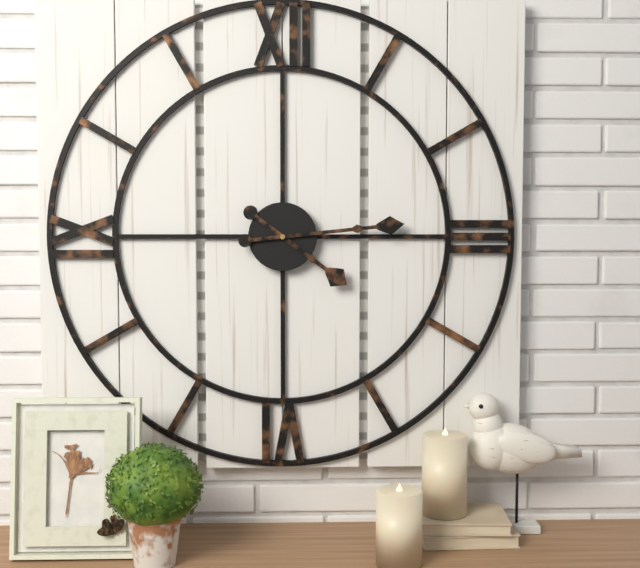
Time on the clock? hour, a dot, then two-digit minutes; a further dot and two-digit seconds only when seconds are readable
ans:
4.14
